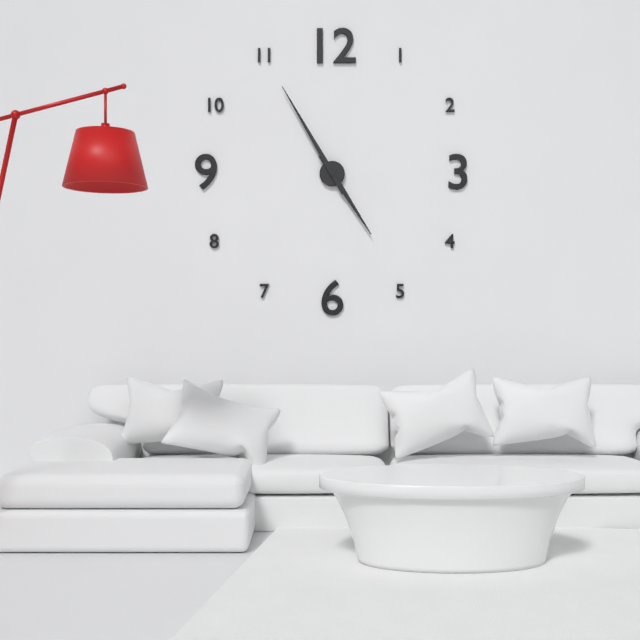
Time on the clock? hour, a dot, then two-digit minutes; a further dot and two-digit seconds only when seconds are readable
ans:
4.55
